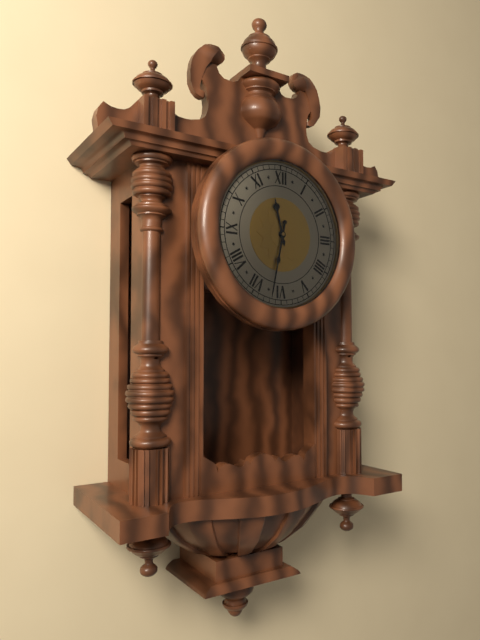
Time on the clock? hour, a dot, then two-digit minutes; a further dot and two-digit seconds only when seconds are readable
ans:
11.32
